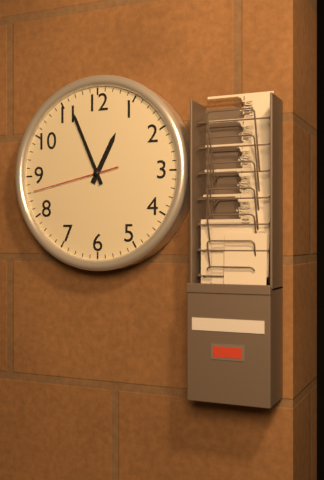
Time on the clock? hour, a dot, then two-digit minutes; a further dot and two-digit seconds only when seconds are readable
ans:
12.56.43
